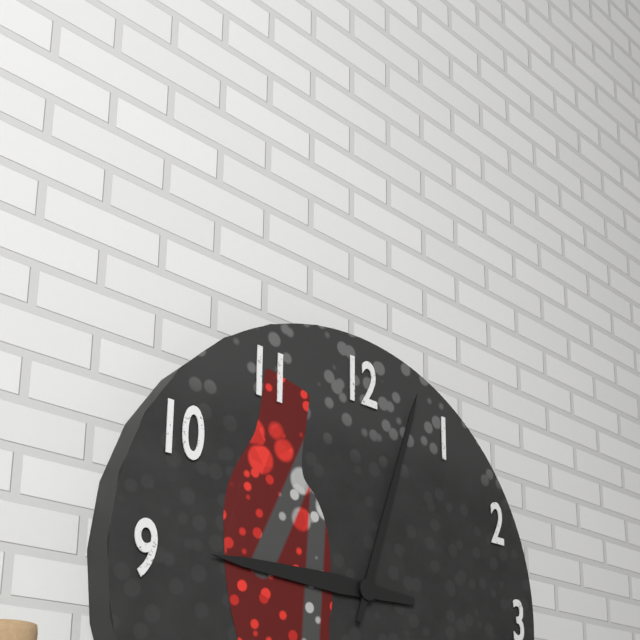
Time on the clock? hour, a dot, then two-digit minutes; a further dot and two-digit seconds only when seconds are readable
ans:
9.03
